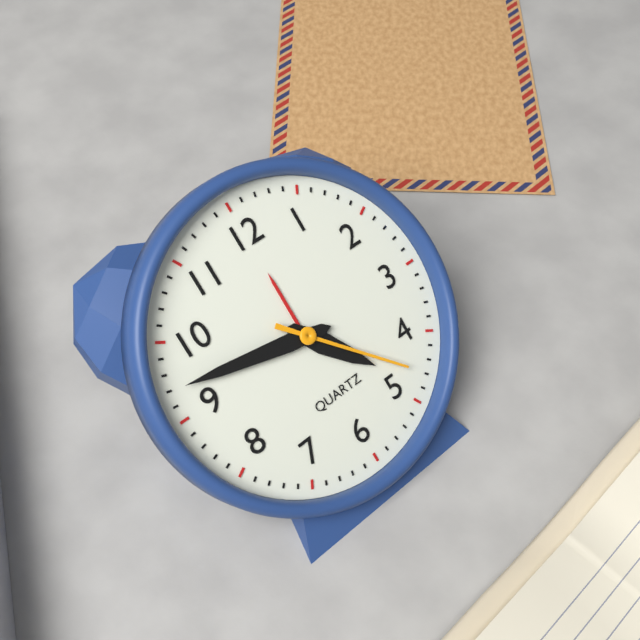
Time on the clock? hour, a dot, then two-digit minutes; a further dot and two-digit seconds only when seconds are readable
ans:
4.47.23
